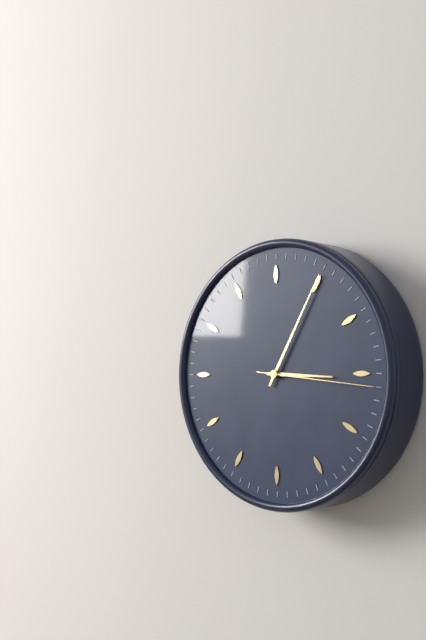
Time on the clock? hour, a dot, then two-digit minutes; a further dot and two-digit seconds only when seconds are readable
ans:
3.05.16
